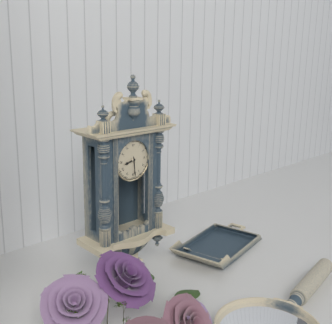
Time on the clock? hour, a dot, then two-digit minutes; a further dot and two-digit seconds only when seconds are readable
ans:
8.29
